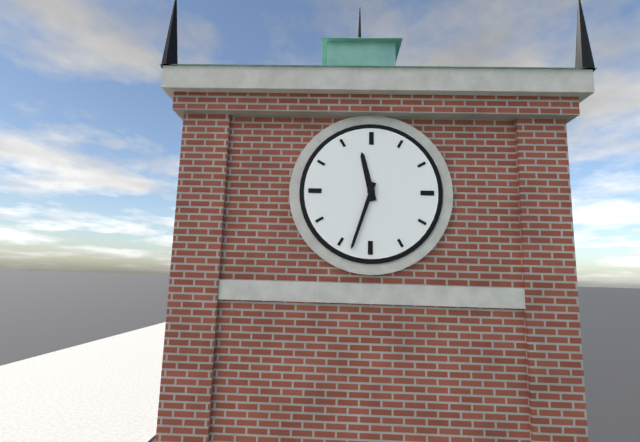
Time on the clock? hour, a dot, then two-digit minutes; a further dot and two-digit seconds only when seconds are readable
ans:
11.33
